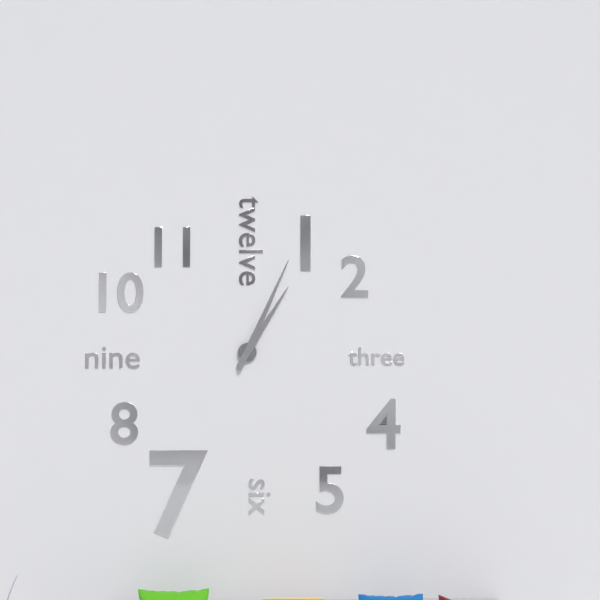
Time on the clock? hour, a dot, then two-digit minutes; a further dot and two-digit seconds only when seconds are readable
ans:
1.04
